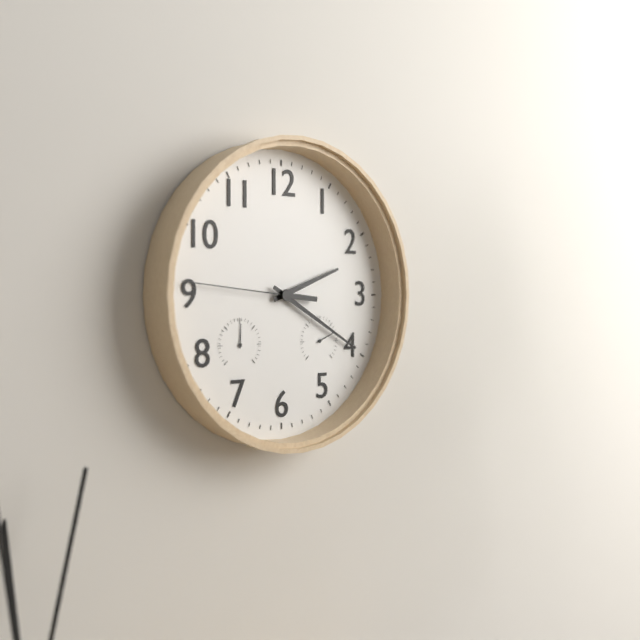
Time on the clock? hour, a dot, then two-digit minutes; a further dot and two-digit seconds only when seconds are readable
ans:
2.20.46
